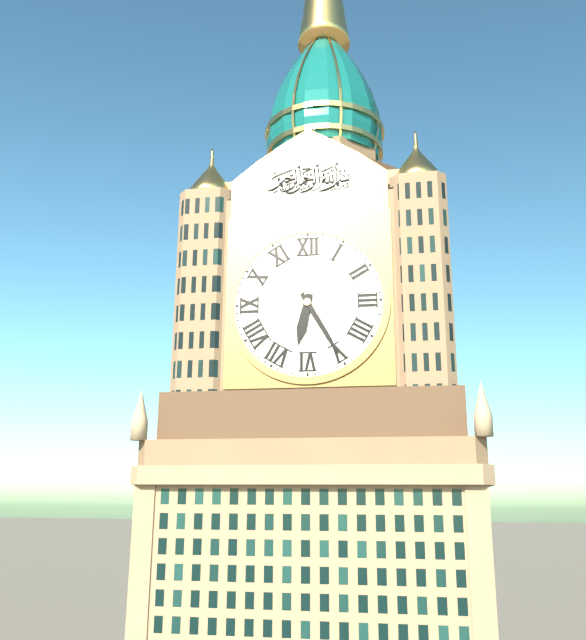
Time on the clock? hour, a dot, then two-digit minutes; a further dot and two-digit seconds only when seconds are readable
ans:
6.25
